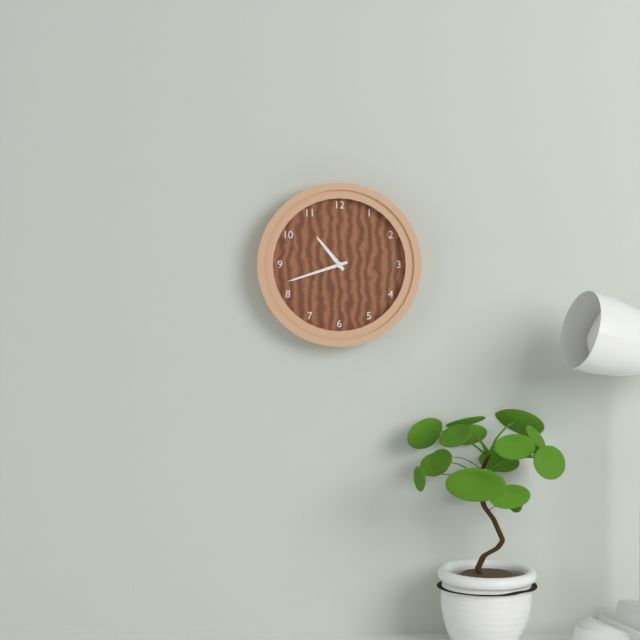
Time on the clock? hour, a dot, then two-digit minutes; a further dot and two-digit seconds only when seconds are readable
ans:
10.42
